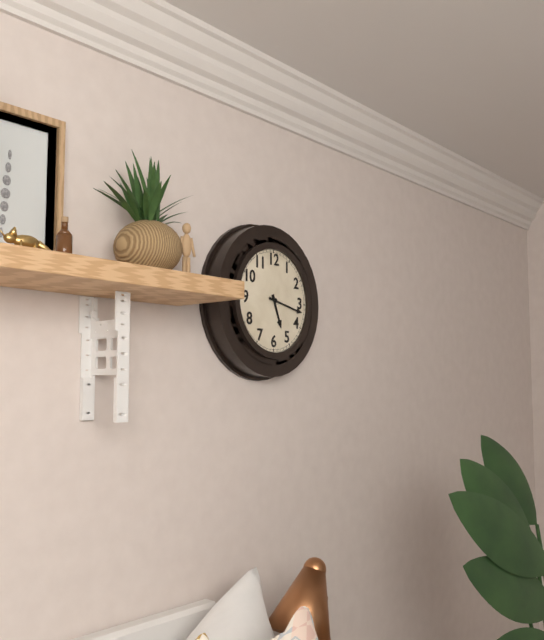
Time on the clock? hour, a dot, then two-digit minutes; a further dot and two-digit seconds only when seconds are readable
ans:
5.17
